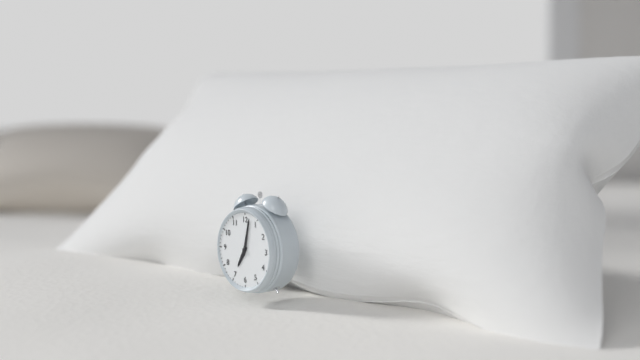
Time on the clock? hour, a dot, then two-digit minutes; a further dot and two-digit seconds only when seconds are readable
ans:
7.02
